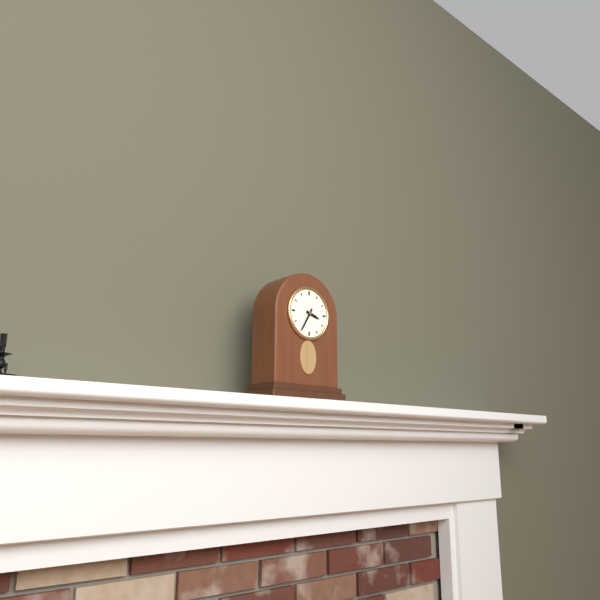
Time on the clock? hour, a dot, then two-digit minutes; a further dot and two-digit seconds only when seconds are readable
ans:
3.35
